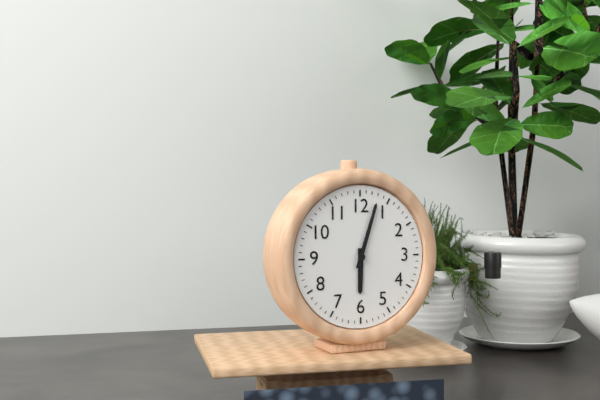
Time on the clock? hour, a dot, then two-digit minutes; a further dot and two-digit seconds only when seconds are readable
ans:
6.03
